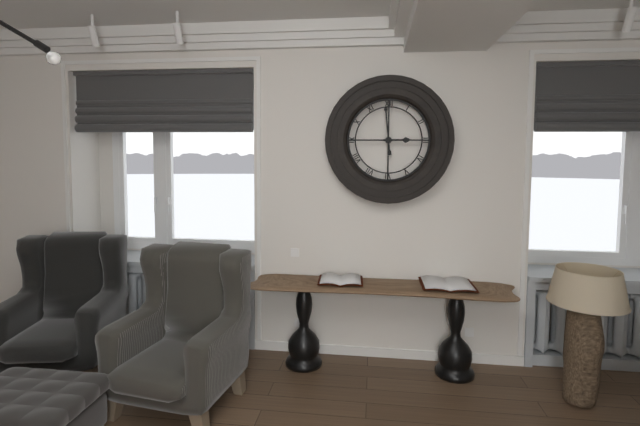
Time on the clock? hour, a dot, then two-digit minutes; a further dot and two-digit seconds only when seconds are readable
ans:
2.59
